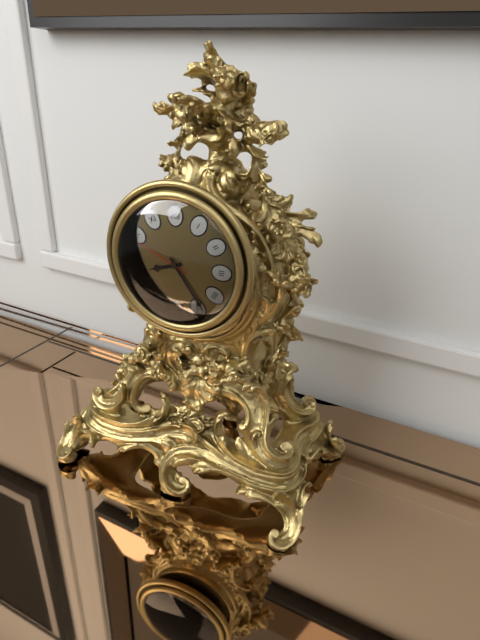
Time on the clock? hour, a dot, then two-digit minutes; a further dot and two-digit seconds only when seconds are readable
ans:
8.24.49
